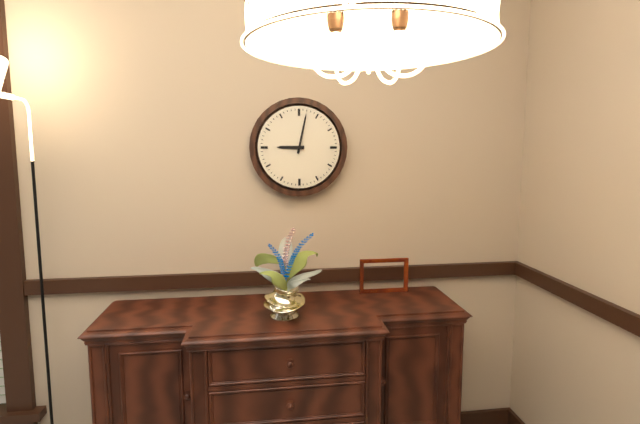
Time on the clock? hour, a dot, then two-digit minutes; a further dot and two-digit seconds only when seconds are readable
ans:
9.02
